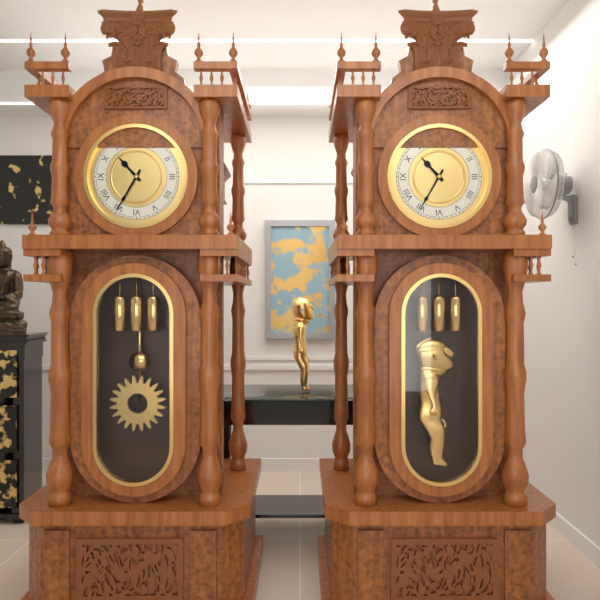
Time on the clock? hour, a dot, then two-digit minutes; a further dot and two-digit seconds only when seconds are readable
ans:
10.35
